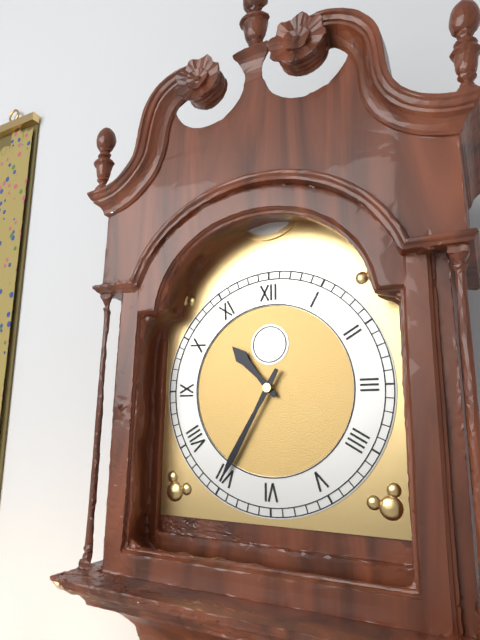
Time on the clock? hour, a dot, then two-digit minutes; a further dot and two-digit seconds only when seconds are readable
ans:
10.35
